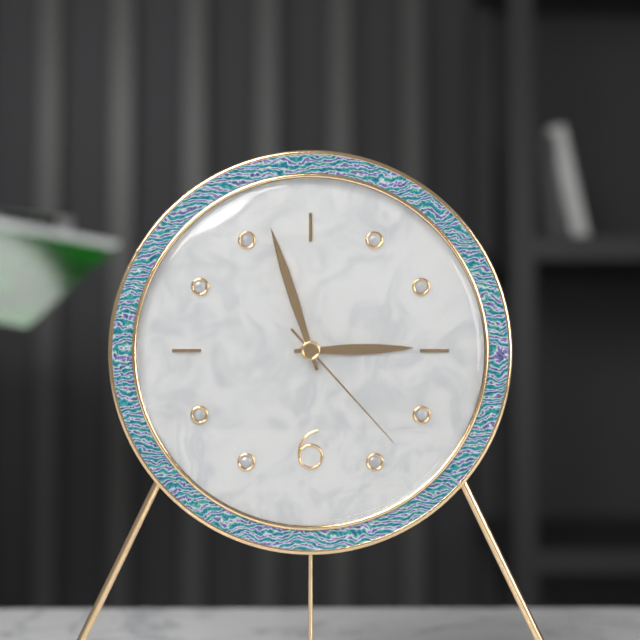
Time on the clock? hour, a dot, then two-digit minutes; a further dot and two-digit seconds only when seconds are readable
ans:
2.57.23
